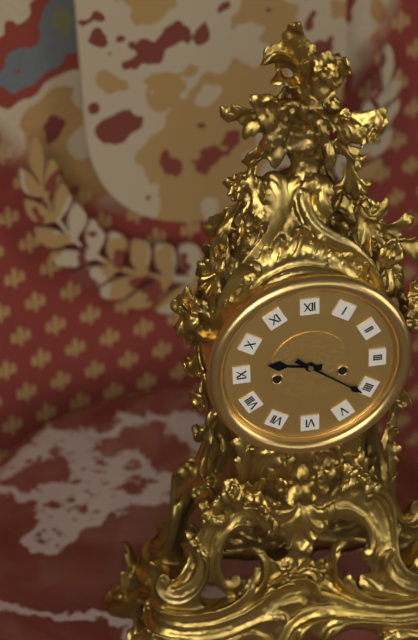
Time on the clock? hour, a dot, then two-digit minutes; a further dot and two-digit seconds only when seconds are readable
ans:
9.21
